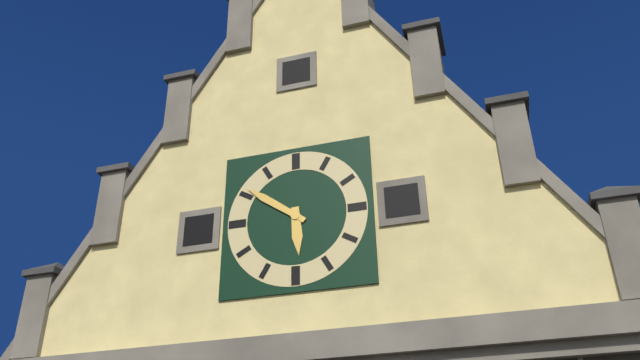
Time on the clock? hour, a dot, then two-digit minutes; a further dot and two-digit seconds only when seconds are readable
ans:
5.51
